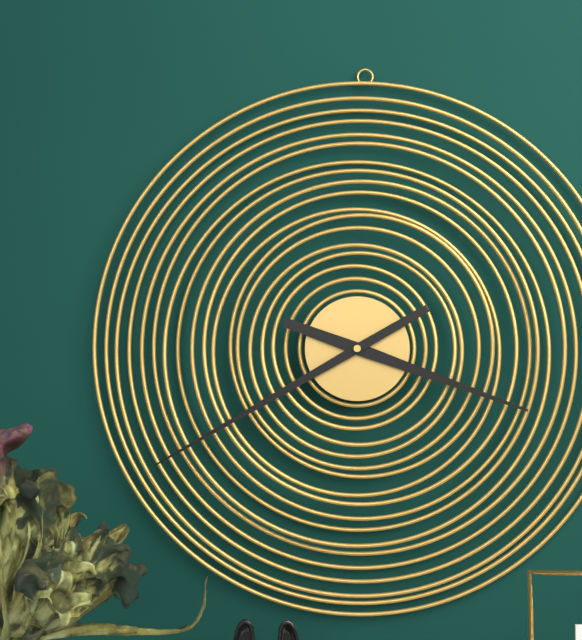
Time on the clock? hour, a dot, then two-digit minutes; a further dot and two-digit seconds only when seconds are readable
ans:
3.40
